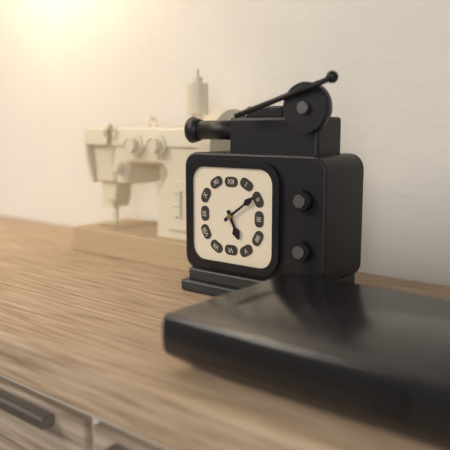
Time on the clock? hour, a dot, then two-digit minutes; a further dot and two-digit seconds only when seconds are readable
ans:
5.09
